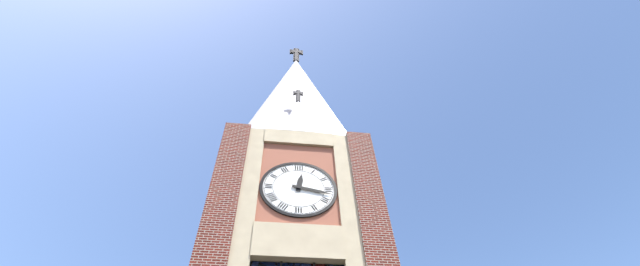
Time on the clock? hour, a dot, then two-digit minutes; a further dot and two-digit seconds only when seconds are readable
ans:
12.17
